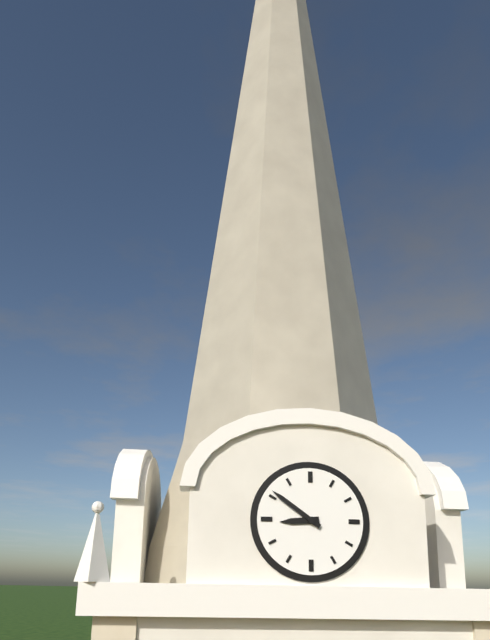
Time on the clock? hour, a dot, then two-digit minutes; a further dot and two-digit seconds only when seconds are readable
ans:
8.51
